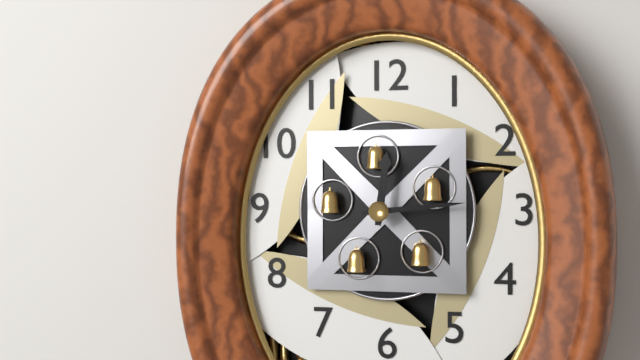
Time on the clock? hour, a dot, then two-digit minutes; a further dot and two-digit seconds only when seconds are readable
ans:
12.14
